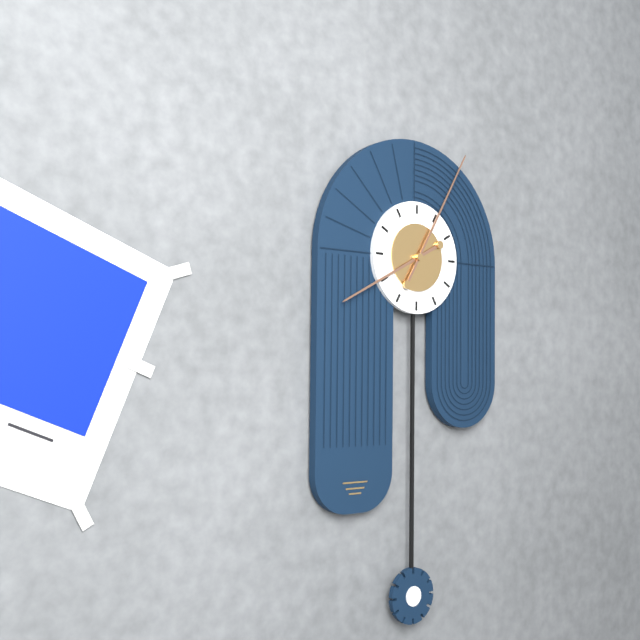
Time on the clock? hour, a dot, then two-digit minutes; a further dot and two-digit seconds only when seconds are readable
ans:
8.05
